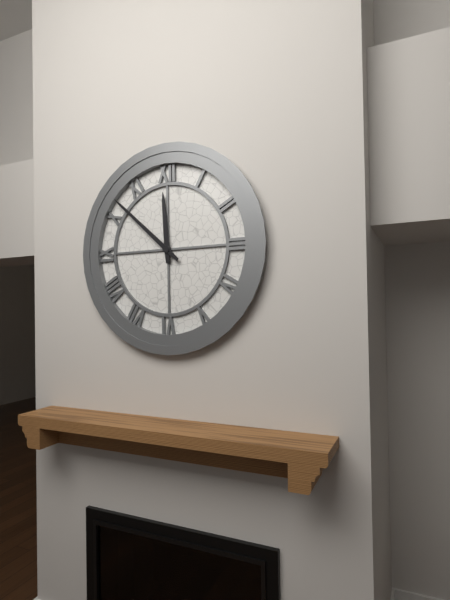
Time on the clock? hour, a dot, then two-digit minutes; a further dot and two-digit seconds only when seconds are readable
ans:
11.52
